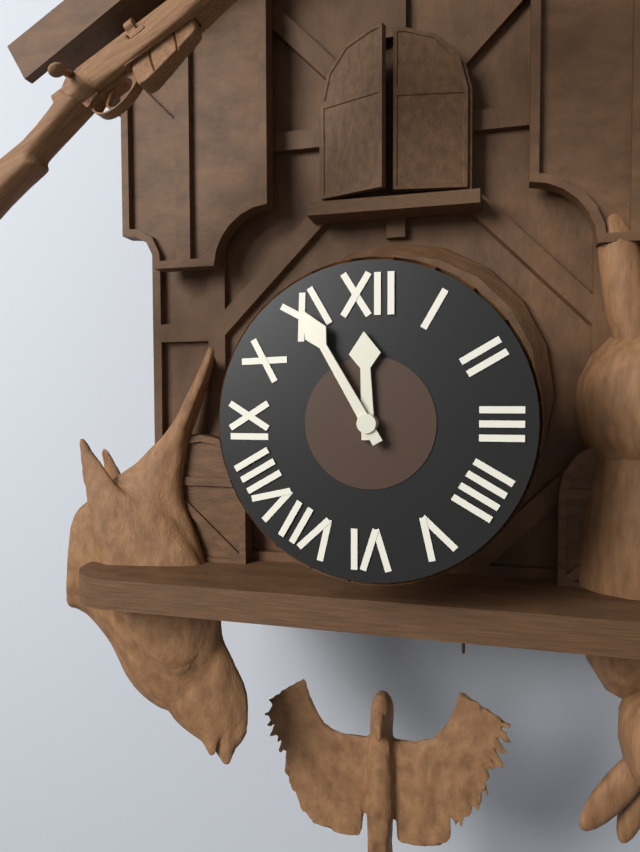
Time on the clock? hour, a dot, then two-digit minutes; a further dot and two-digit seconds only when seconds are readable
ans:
11.55
